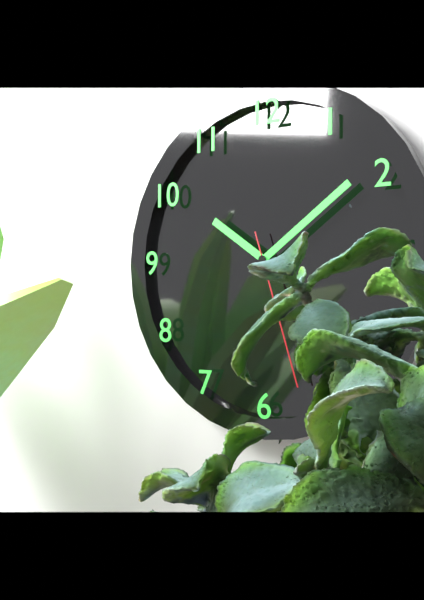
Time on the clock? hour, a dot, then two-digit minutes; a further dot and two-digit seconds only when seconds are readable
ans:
10.09.27
